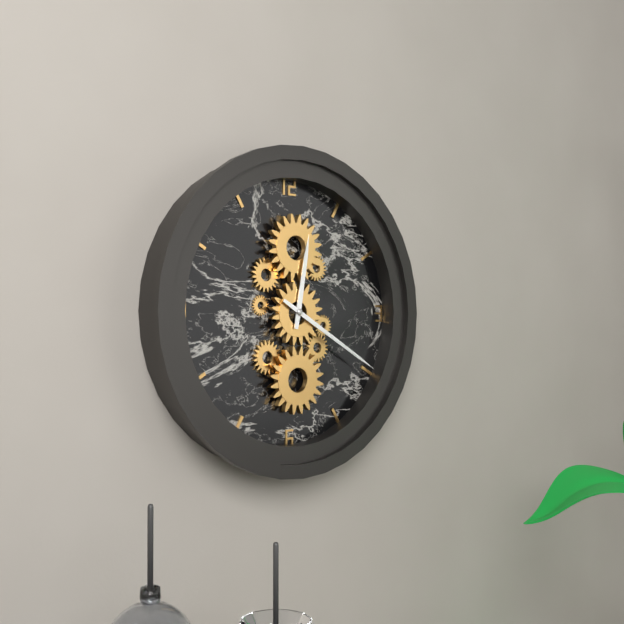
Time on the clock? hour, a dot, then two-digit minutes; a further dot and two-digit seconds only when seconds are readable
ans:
12.20
